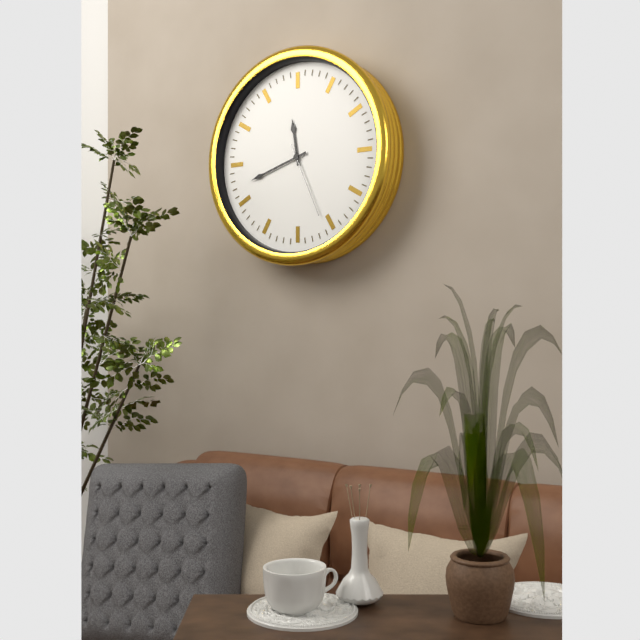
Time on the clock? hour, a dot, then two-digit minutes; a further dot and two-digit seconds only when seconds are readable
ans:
11.42.26
